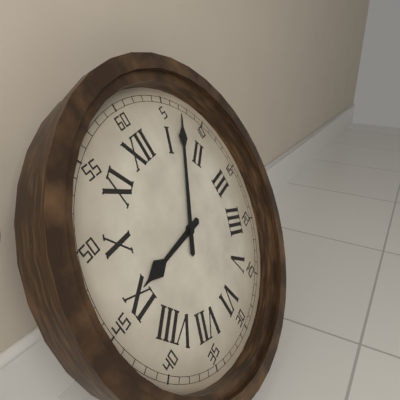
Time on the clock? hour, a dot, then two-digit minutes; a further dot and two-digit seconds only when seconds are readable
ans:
9.07
